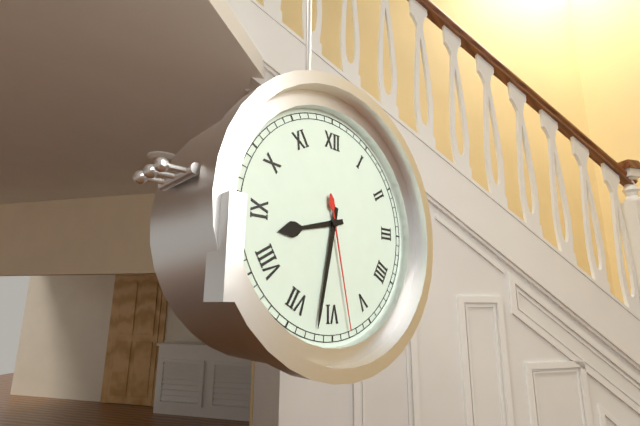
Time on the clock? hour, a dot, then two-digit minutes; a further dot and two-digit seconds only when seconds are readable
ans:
8.32.28
